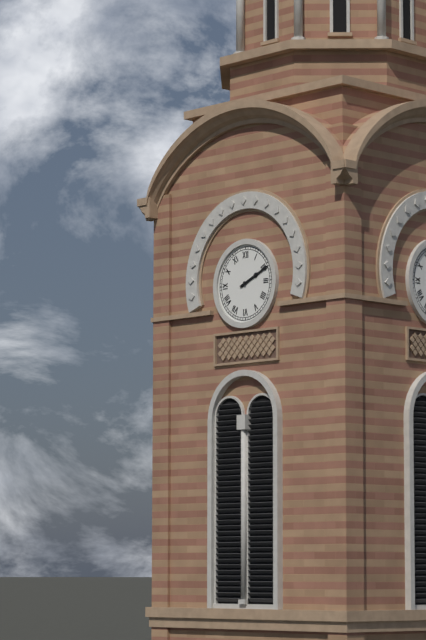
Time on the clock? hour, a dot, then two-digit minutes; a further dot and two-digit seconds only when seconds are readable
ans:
2.11
